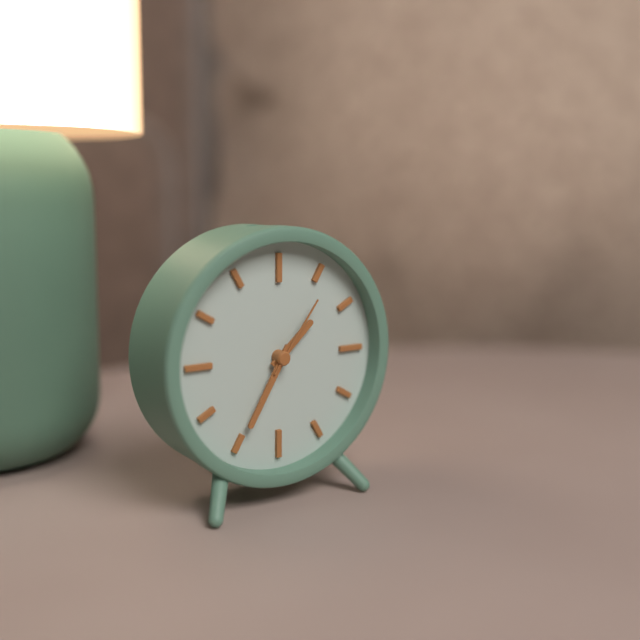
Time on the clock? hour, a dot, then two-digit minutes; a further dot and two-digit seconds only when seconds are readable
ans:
1.35.06
